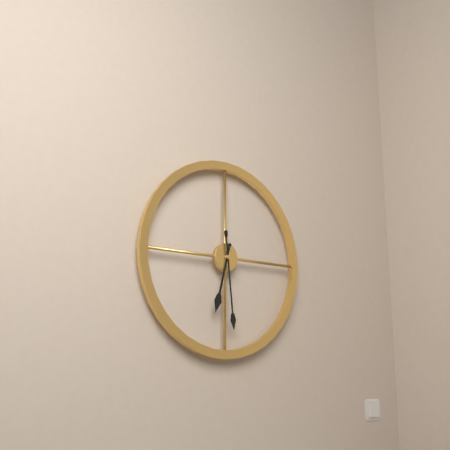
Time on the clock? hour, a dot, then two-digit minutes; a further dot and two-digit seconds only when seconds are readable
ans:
6.29
